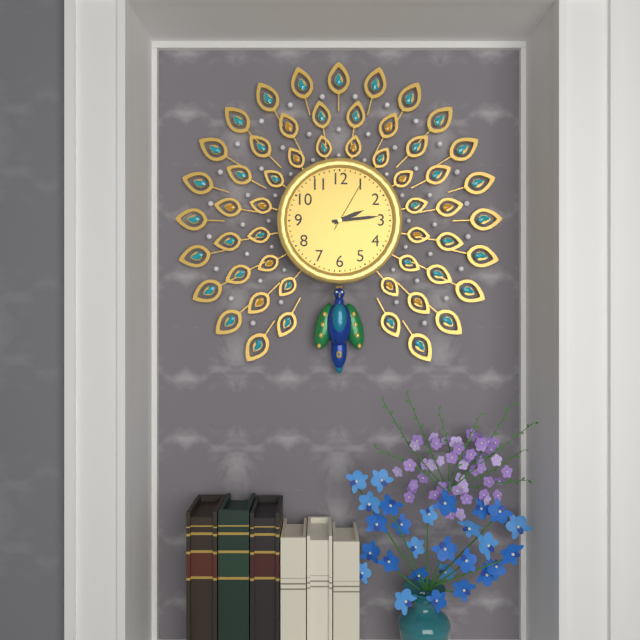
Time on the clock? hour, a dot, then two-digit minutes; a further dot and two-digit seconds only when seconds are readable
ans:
2.14.05
